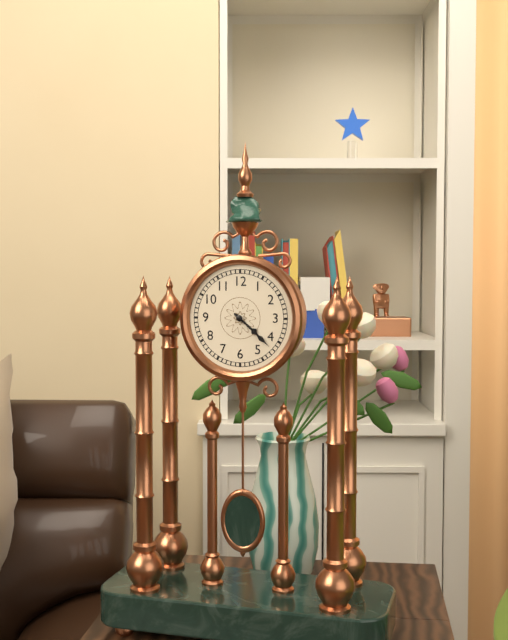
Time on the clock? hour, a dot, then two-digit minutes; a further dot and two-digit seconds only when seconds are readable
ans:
4.22
